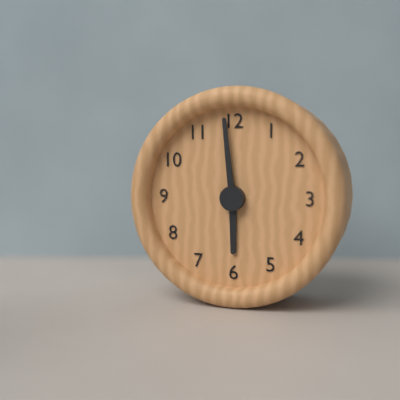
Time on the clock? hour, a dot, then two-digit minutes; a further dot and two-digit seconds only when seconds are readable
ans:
5.59
